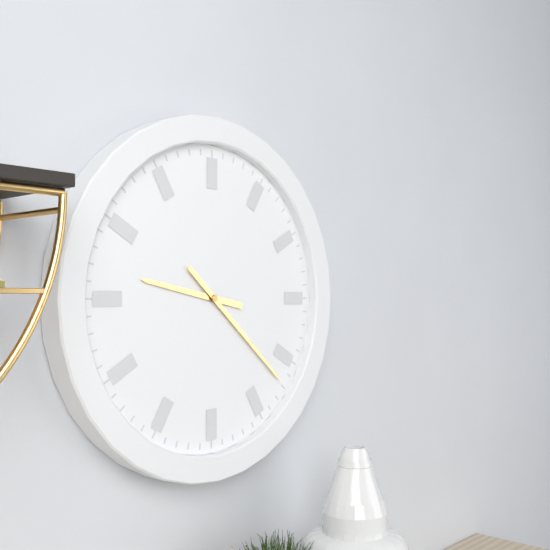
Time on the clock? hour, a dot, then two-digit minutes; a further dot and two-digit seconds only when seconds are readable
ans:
9.22
